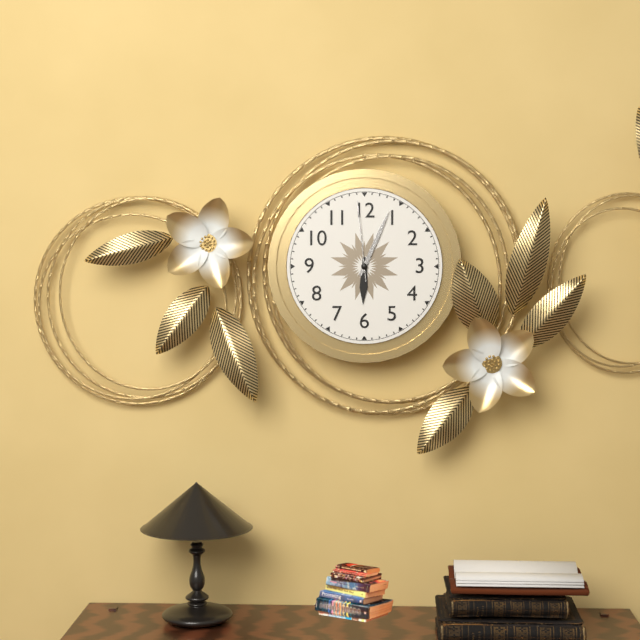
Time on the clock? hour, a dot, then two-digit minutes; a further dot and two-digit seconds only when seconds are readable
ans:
6.04.59
